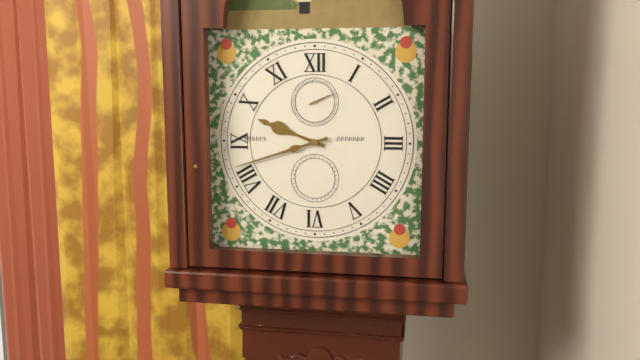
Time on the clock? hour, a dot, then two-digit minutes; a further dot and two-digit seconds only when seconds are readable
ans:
9.42
